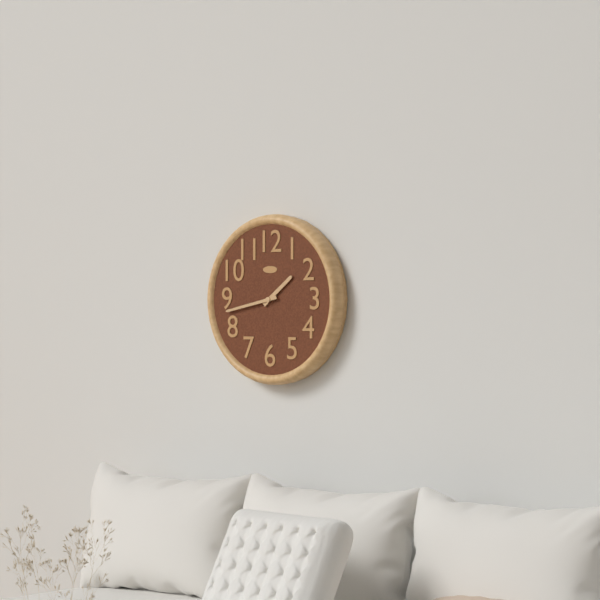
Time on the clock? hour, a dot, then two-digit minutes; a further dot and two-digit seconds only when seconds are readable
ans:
1.43
